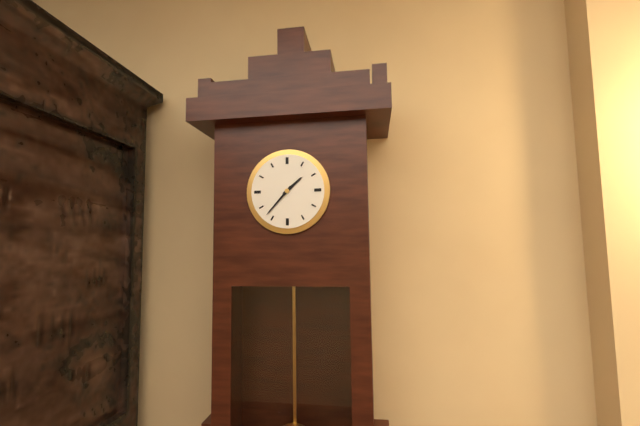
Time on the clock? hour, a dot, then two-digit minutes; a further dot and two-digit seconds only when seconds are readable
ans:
1.37
